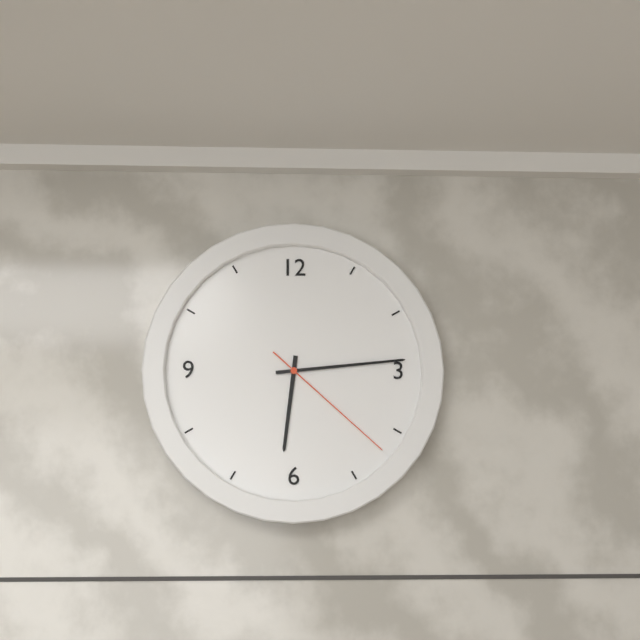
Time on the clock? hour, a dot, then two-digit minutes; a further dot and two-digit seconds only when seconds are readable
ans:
6.14.22
